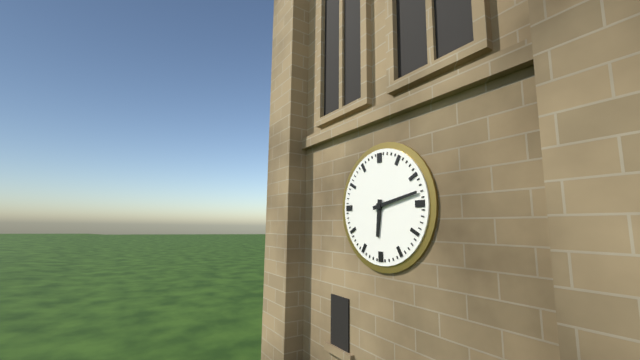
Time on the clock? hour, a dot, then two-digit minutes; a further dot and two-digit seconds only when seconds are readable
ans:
6.13
